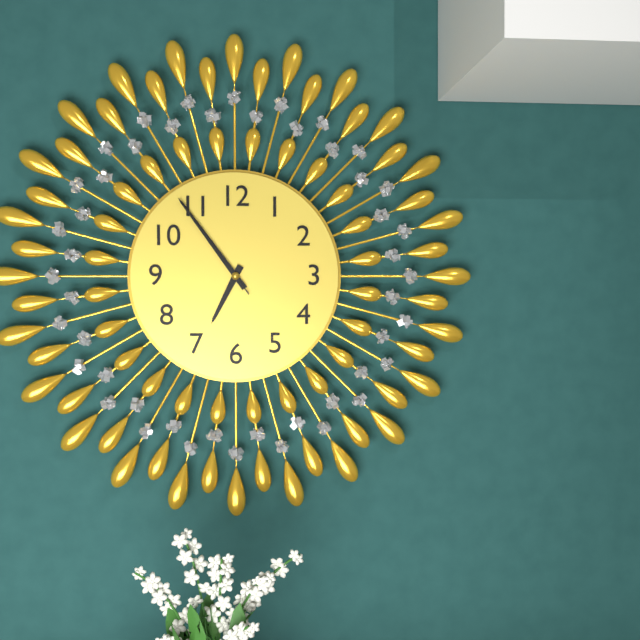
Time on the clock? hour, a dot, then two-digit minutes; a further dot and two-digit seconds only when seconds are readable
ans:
6.54.54
